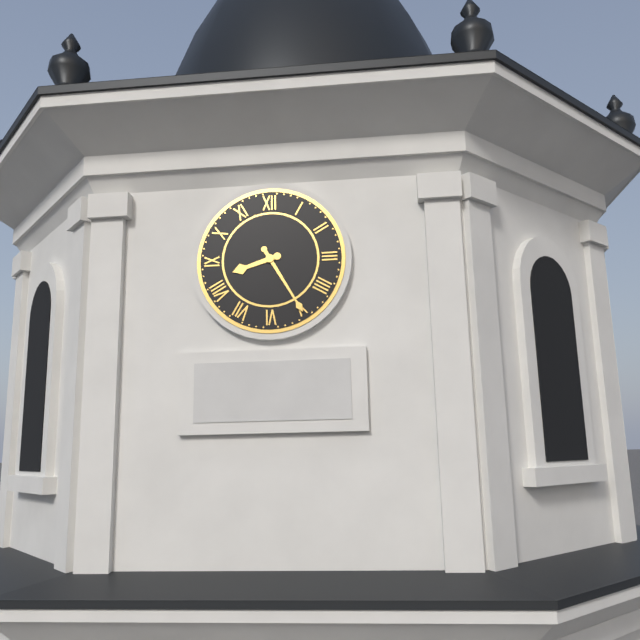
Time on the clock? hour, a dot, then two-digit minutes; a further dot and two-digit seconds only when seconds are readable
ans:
8.25
